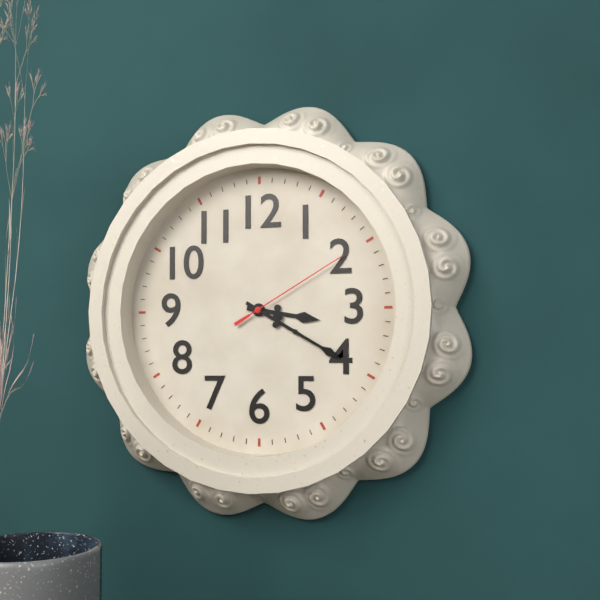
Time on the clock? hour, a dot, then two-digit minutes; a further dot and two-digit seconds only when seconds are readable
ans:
3.20.10
